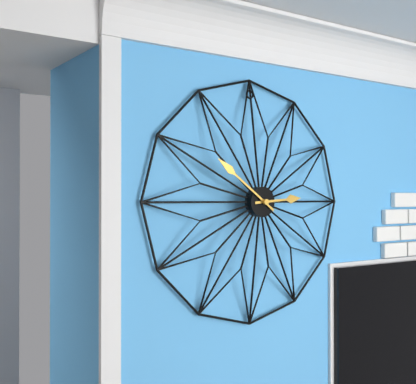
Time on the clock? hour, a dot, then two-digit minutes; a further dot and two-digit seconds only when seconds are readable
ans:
2.51
